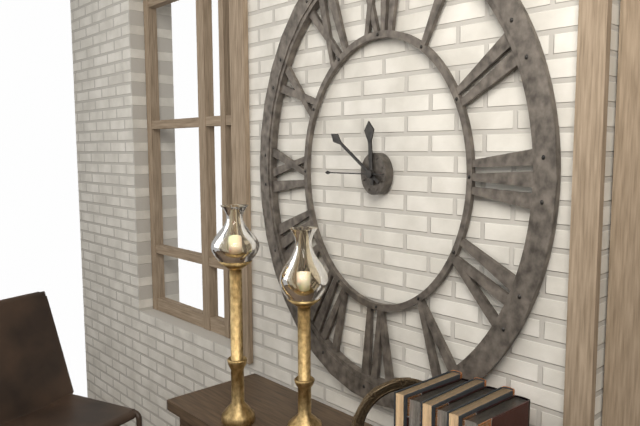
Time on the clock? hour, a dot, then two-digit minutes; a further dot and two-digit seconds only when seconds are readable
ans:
11.51.45
